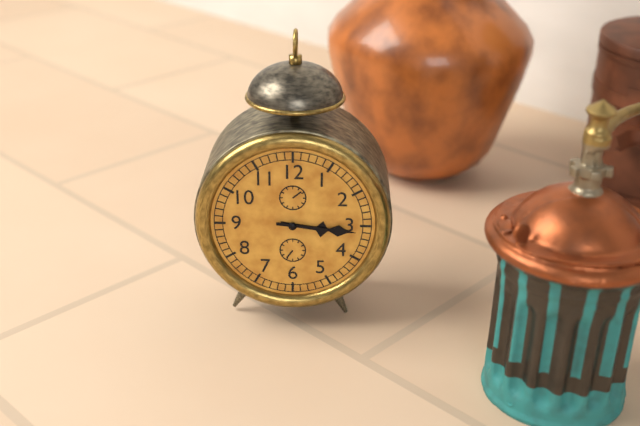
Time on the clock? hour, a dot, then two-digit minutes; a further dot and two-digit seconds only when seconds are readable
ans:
3.16
